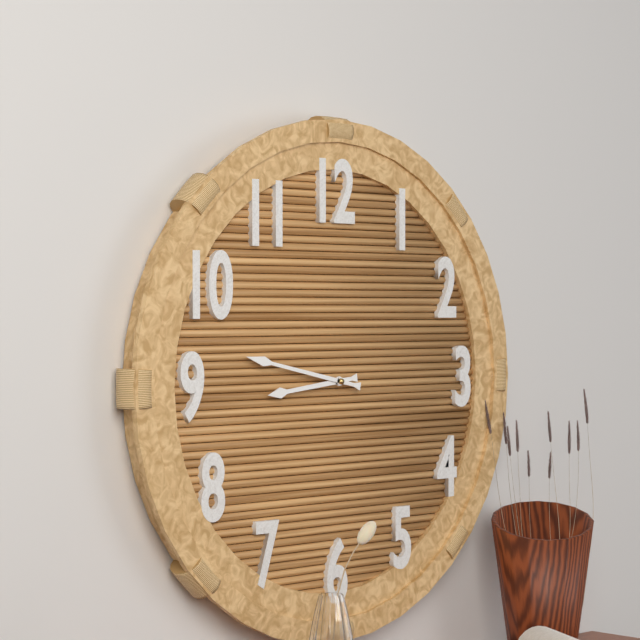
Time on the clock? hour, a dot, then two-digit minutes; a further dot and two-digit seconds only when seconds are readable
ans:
8.47
